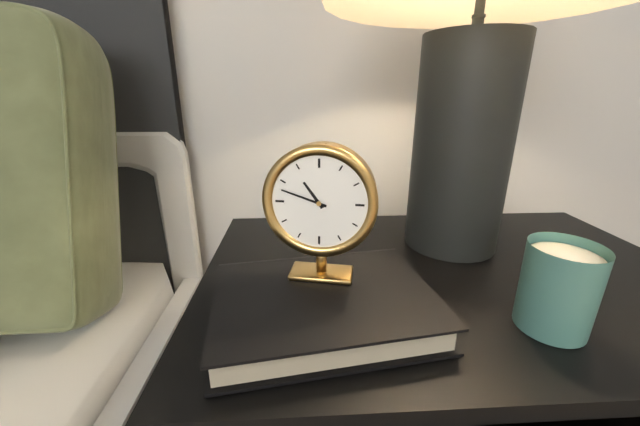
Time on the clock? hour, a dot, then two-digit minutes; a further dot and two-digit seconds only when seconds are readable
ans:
10.48
